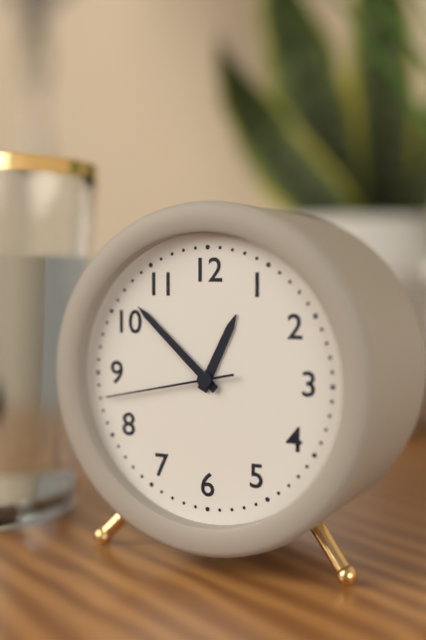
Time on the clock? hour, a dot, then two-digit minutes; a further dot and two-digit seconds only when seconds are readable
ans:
12.52.43
